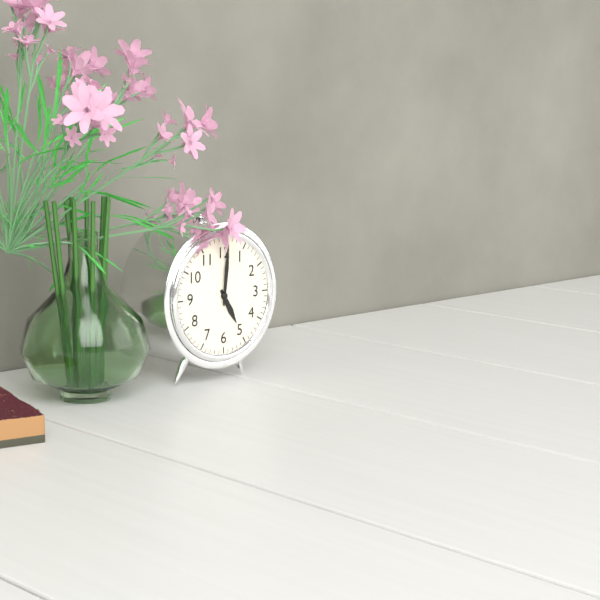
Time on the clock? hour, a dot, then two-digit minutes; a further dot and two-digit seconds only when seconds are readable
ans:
5.01
